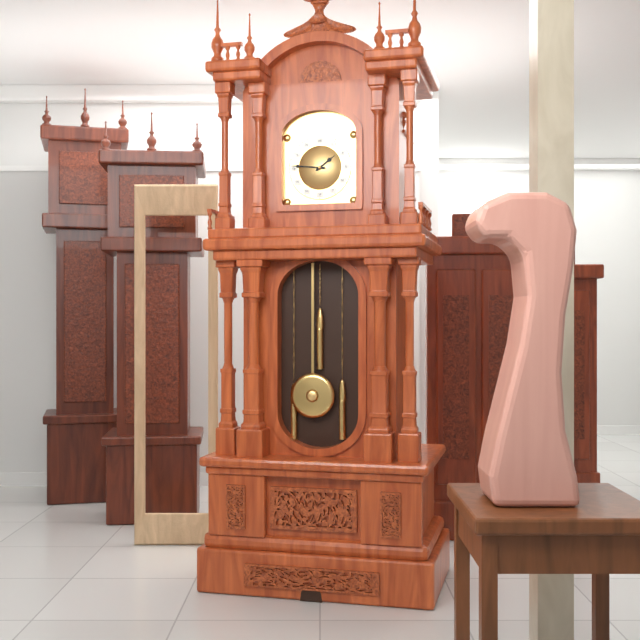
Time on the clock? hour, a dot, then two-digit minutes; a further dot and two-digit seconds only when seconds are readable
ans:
1.46
